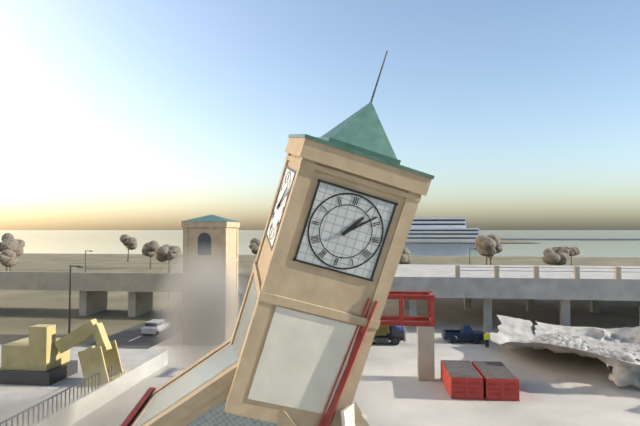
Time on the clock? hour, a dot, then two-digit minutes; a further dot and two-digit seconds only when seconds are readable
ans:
1.08
